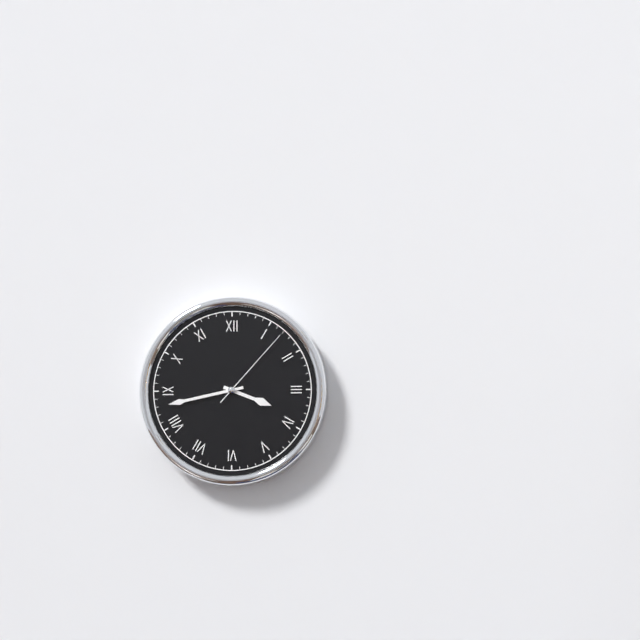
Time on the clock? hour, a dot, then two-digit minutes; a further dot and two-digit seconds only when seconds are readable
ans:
3.43.07
